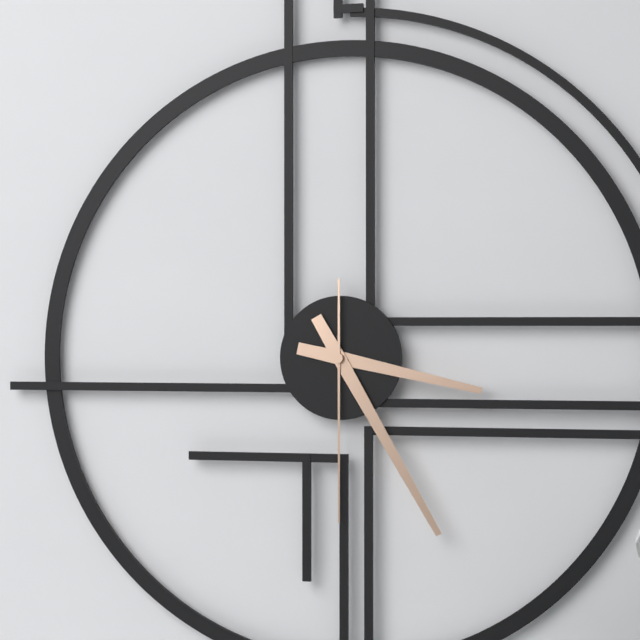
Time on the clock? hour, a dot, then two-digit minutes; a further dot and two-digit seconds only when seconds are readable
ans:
3.25.30
